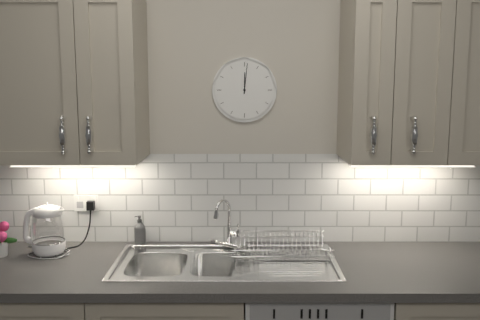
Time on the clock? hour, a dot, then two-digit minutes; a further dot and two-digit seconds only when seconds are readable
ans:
12.01
